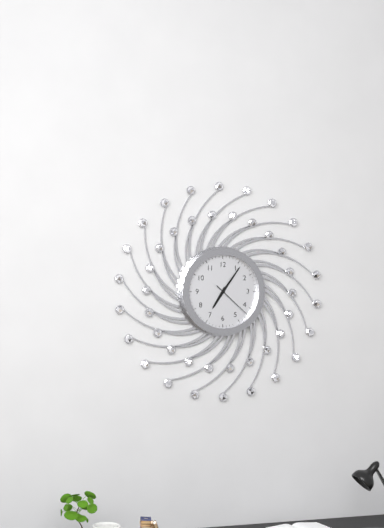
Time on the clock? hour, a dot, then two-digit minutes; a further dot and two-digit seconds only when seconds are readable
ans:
7.06
